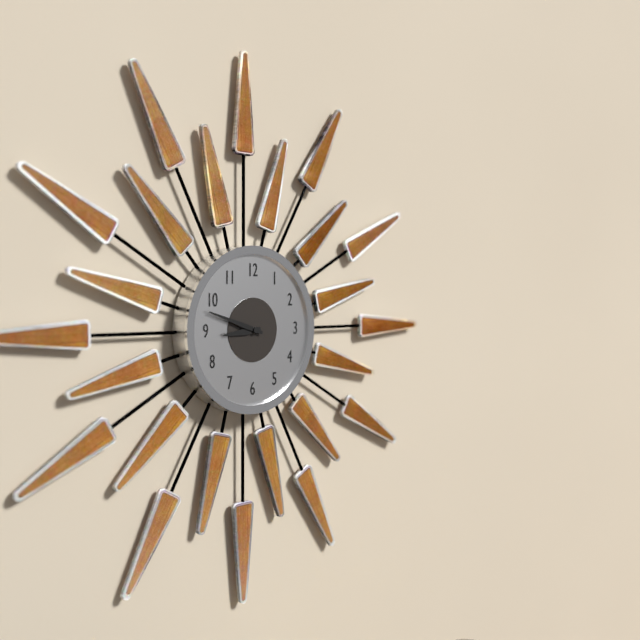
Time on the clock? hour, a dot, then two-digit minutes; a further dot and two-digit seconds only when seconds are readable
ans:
8.48
